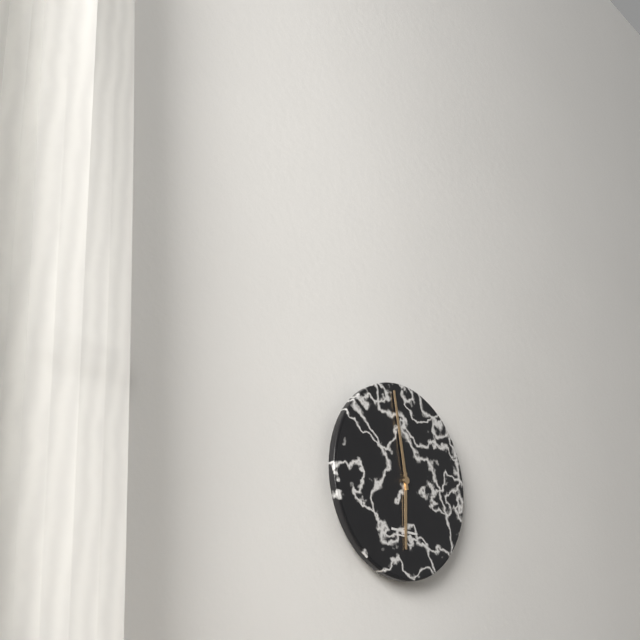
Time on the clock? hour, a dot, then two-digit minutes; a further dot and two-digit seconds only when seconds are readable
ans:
5.58
